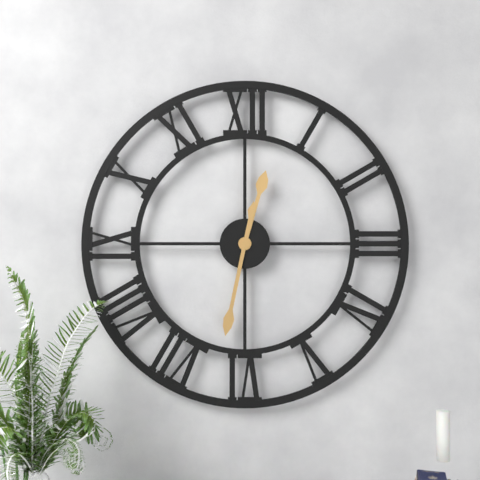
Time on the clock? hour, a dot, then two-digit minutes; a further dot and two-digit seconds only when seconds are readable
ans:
12.32
